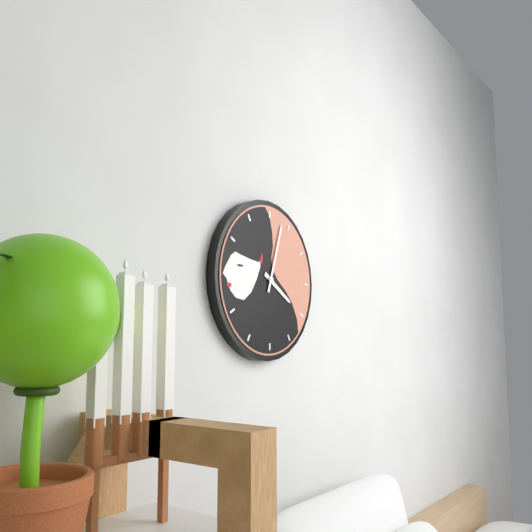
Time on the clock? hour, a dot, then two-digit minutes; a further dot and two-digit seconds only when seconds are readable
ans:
4.03
